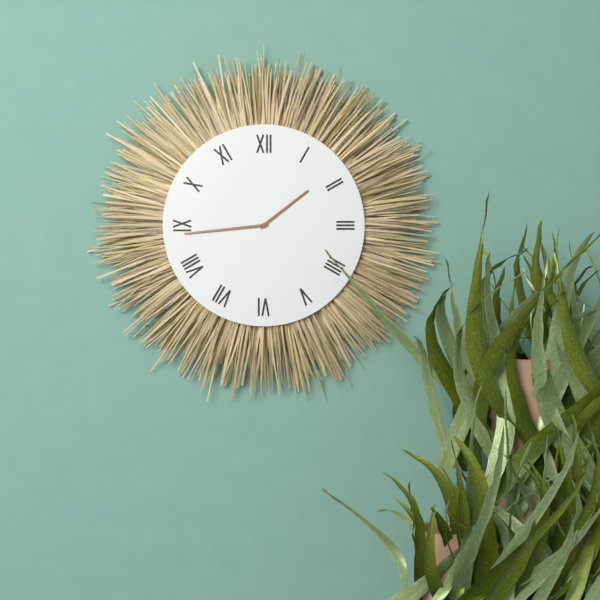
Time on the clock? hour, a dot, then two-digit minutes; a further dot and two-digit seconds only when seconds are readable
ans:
1.44
